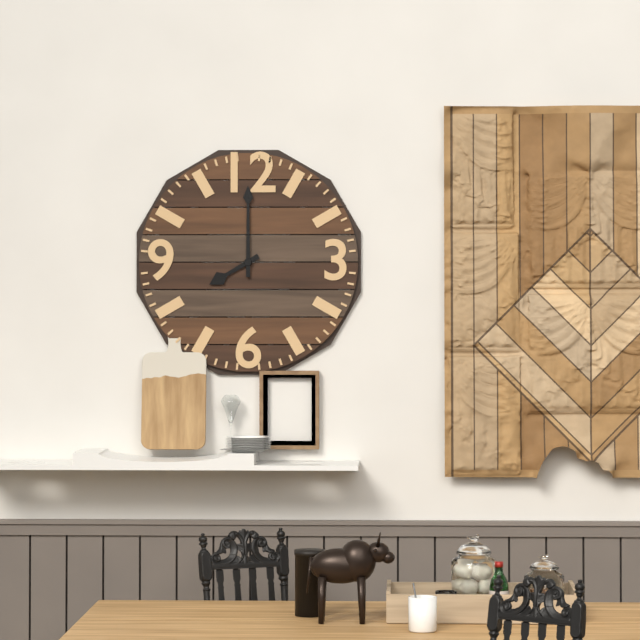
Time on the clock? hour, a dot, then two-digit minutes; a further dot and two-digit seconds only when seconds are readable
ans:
8.00
